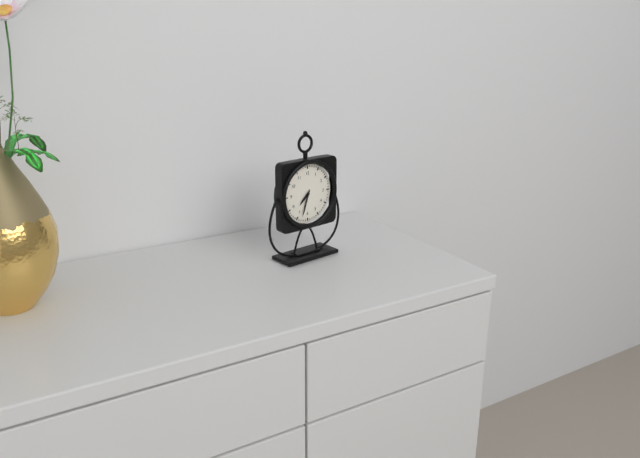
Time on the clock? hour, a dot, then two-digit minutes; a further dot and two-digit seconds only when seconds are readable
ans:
7.33
